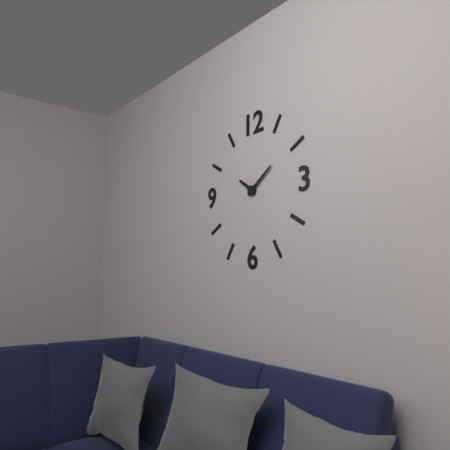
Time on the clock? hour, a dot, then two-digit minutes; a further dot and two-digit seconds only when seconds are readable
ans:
10.09
